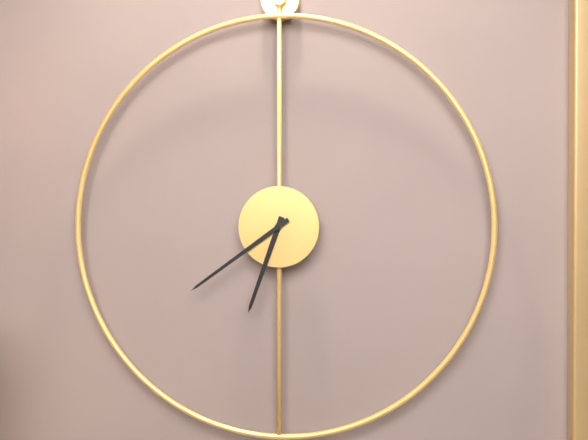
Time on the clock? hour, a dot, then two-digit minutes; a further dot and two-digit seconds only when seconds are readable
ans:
6.39
